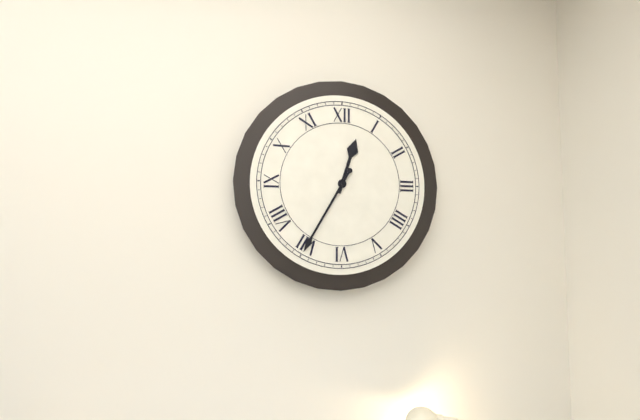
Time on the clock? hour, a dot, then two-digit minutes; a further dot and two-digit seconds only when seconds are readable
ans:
12.35
